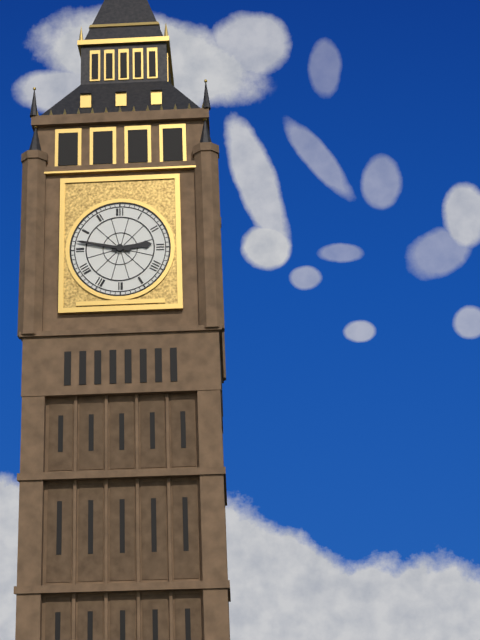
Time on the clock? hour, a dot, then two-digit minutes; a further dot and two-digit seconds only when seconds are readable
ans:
2.47
